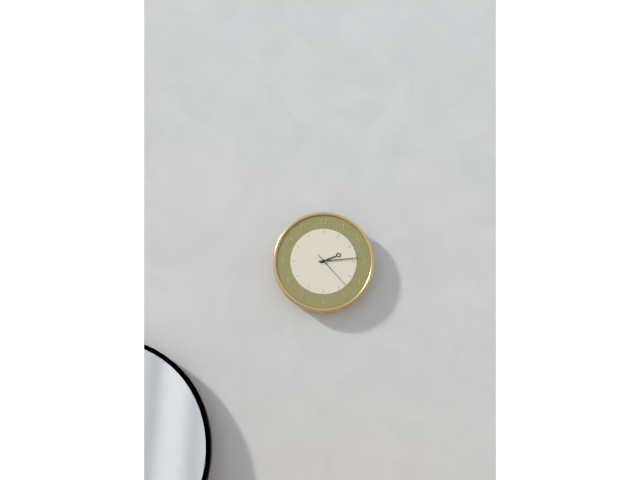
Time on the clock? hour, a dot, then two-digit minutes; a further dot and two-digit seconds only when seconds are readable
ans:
2.14
